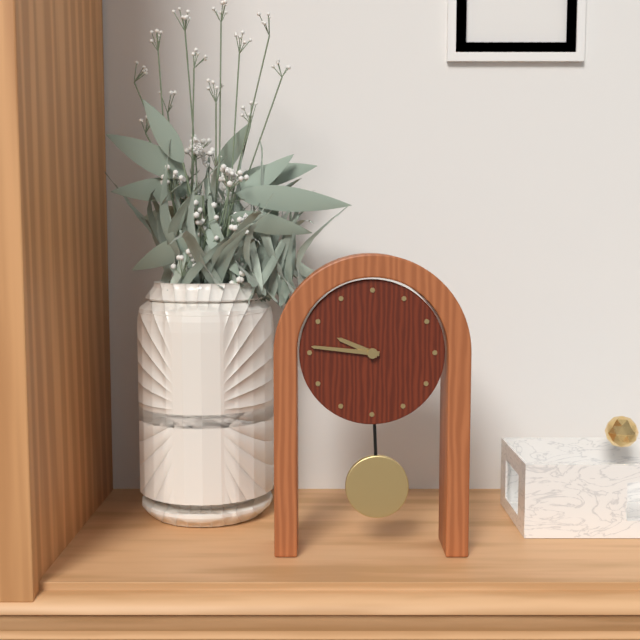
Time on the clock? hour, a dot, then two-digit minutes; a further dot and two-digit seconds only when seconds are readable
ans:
9.46
